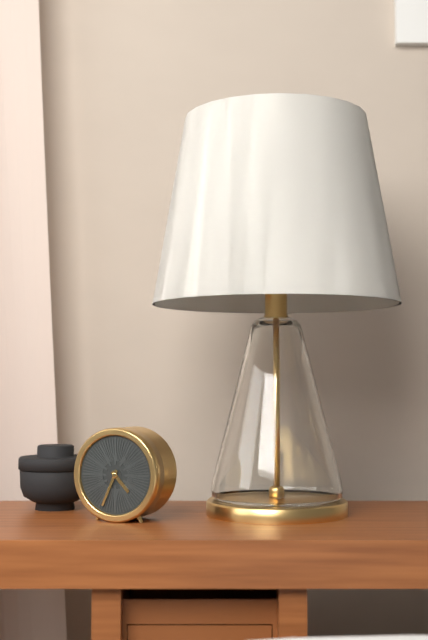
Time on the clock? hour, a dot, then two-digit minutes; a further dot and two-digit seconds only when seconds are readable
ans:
4.34
